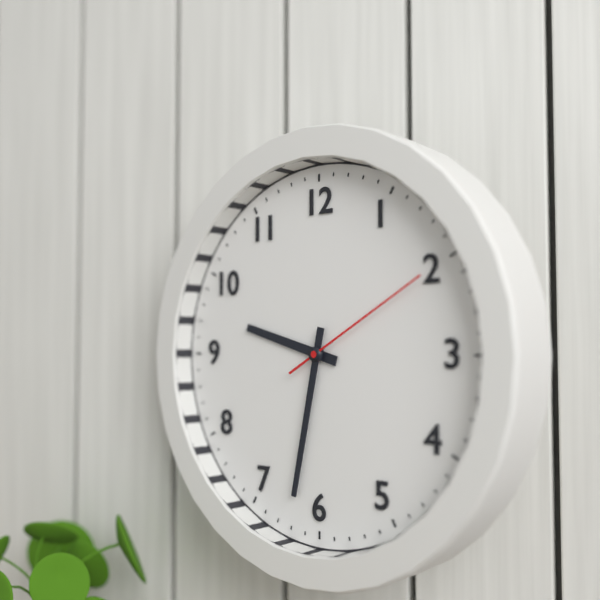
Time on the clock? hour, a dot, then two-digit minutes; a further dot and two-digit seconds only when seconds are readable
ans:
9.32.10
